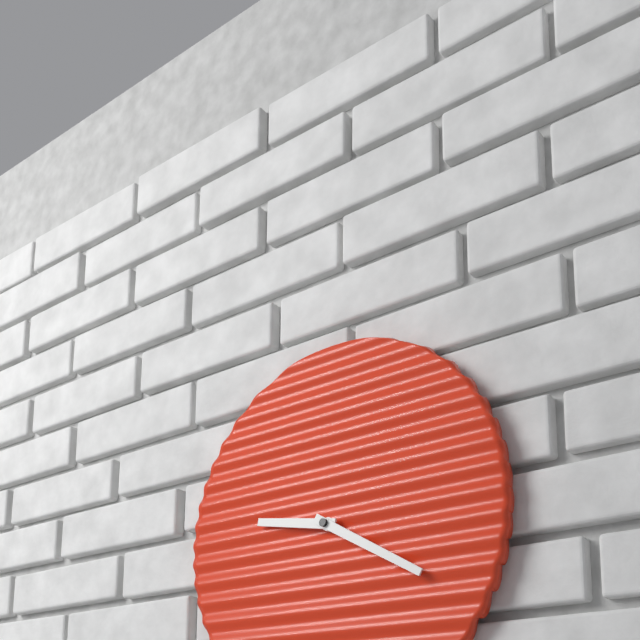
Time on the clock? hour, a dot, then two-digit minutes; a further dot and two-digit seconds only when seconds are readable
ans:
9.20
